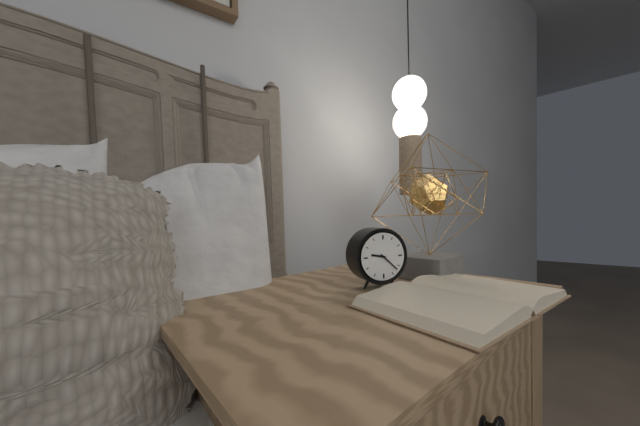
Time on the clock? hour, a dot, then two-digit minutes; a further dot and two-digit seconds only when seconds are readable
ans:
9.22
